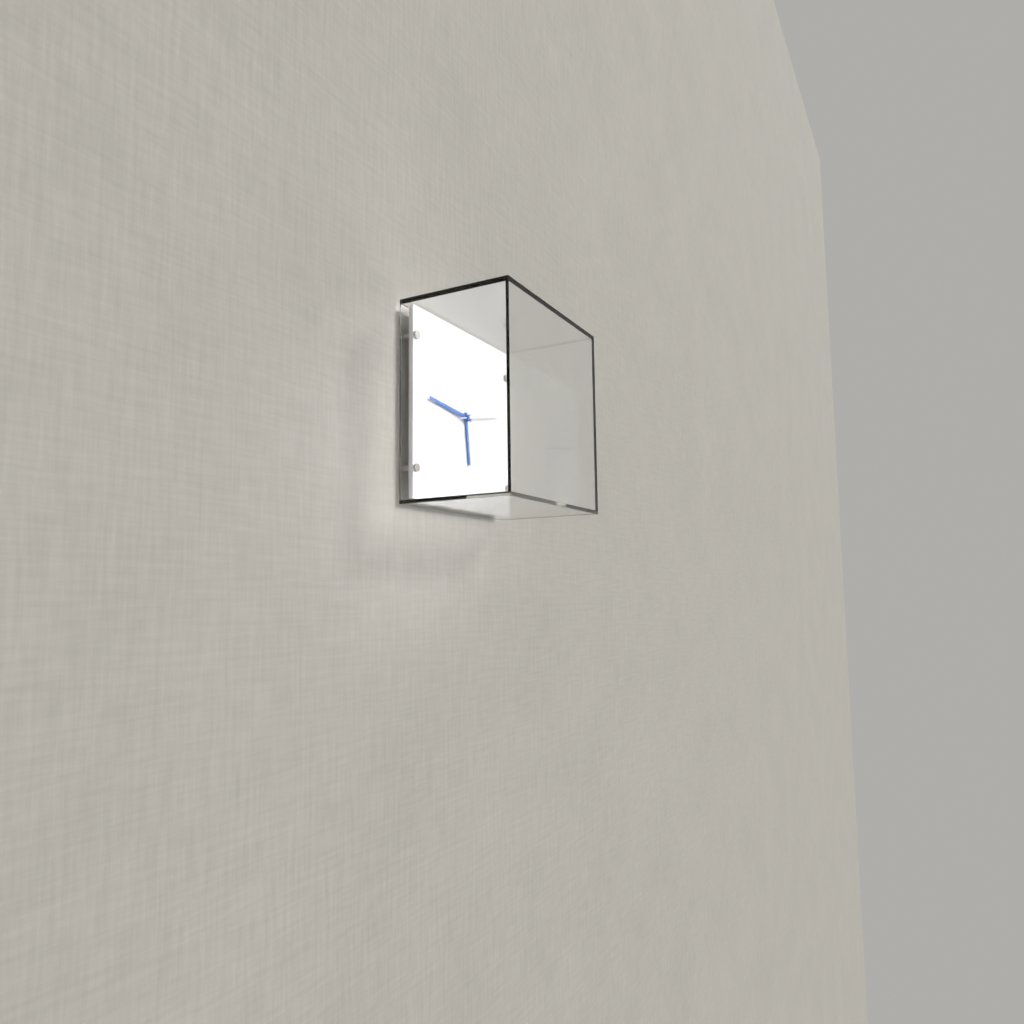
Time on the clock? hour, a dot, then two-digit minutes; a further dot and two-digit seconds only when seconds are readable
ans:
5.46
